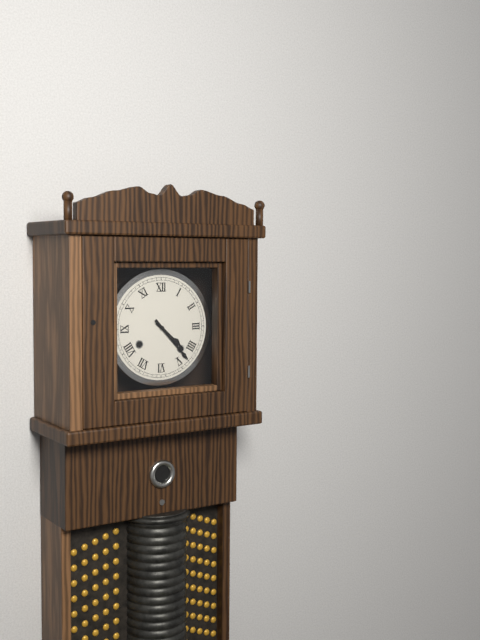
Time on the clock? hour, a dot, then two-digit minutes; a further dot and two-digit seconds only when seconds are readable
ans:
4.23
